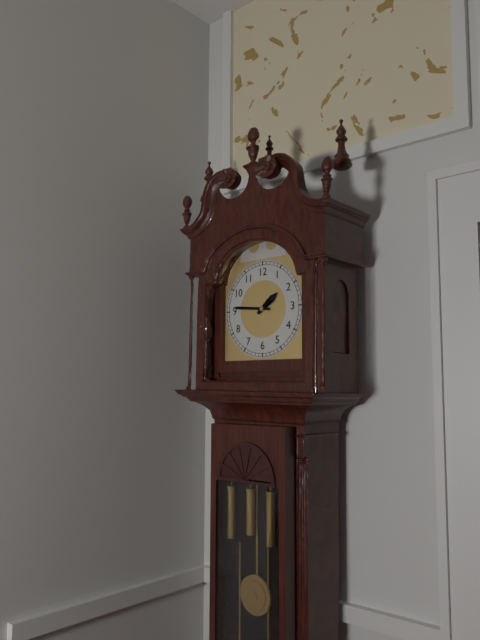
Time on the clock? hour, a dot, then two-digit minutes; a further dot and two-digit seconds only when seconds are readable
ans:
1.46
